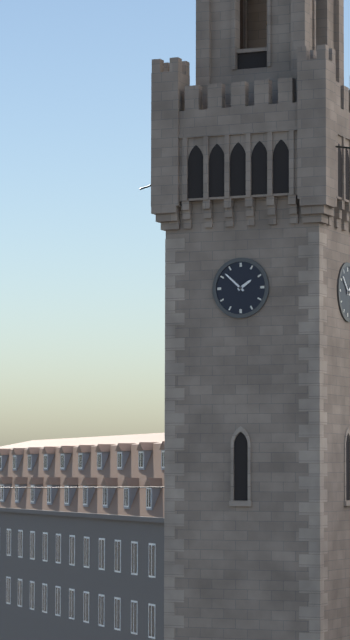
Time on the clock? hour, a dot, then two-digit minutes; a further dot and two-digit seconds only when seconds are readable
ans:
1.52
